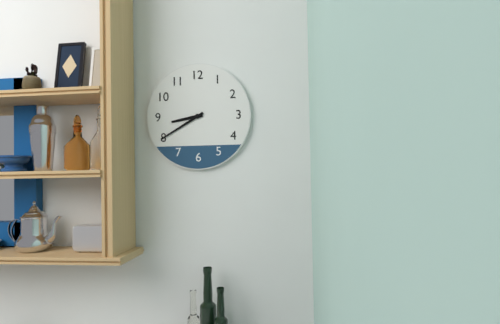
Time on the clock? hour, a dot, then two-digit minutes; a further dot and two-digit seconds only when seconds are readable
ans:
8.40
